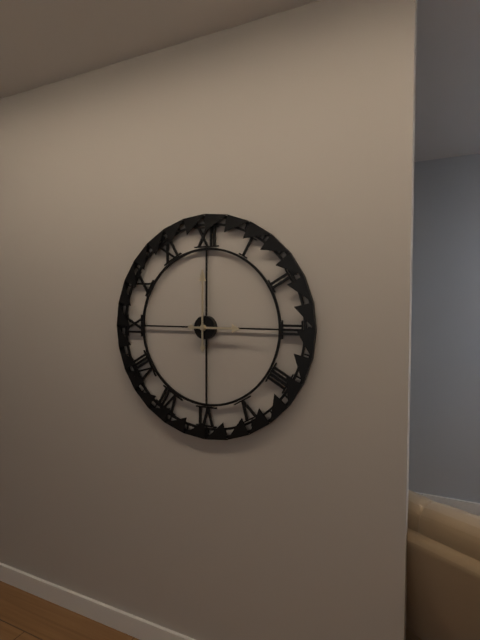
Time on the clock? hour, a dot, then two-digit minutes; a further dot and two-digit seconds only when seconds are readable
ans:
3.00
